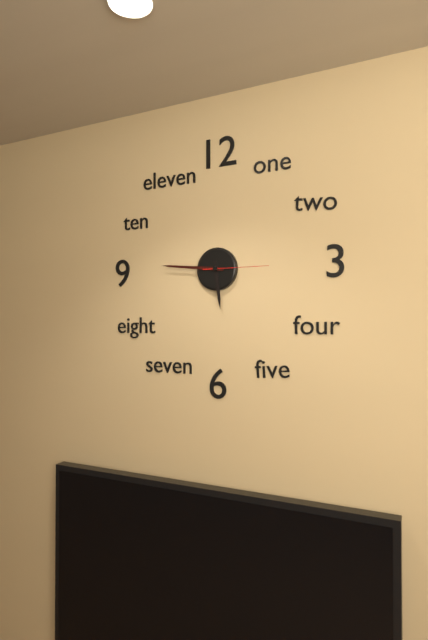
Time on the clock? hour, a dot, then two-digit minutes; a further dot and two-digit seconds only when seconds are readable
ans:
5.46.15
